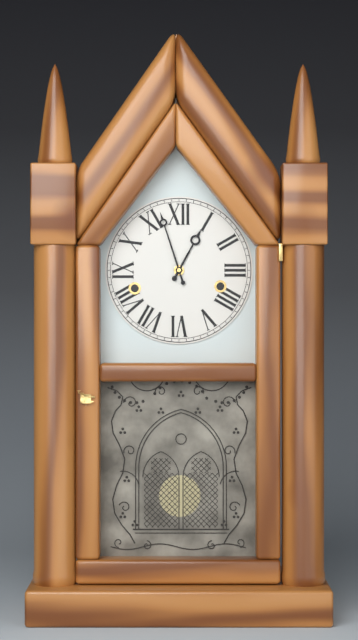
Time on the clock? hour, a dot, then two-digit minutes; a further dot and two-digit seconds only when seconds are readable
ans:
12.57
